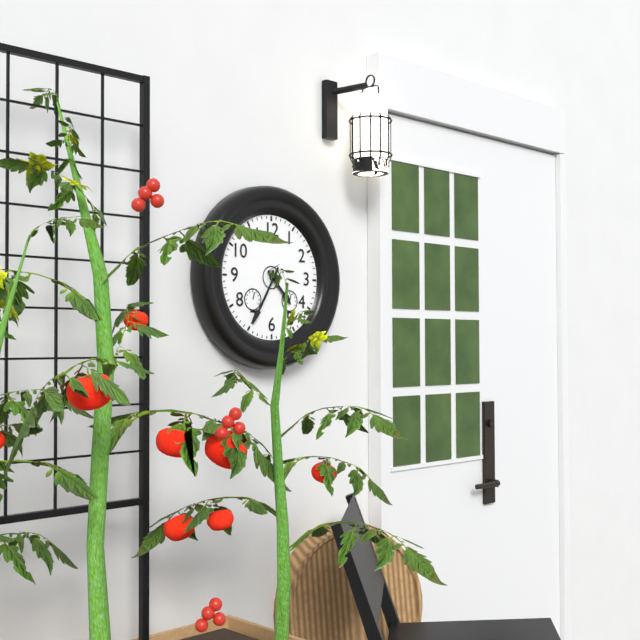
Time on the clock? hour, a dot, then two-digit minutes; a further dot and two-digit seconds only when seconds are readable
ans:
4.35
